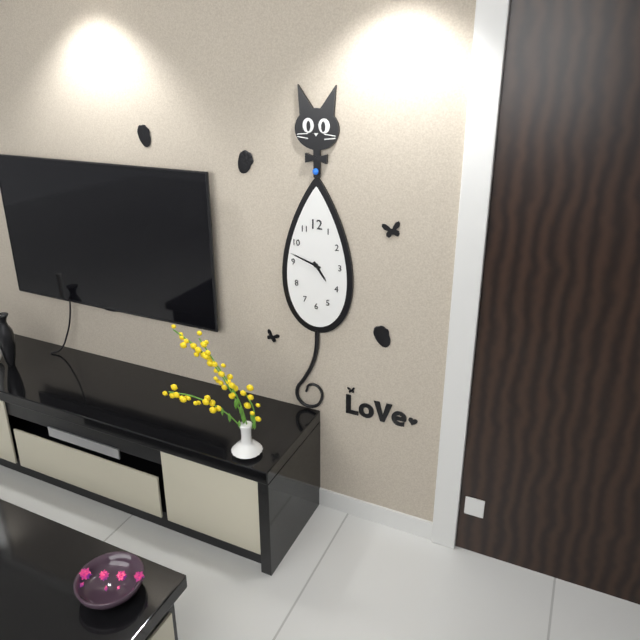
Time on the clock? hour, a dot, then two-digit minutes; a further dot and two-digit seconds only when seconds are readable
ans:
4.48
